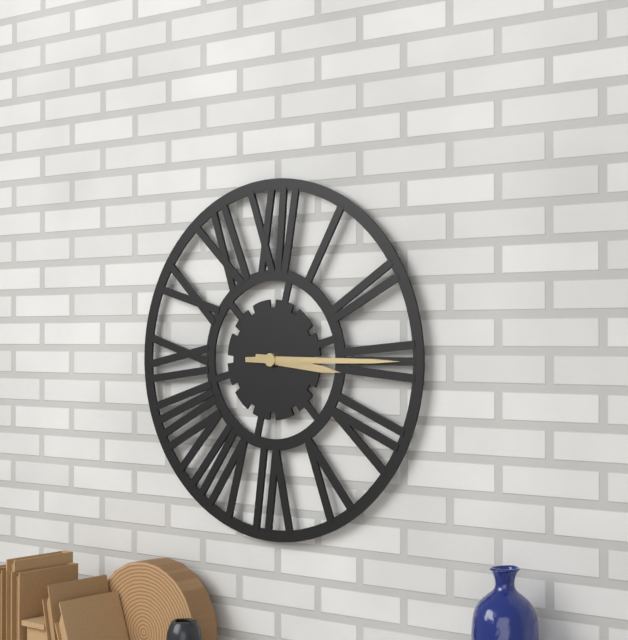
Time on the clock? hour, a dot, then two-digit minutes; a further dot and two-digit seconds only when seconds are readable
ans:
3.15
